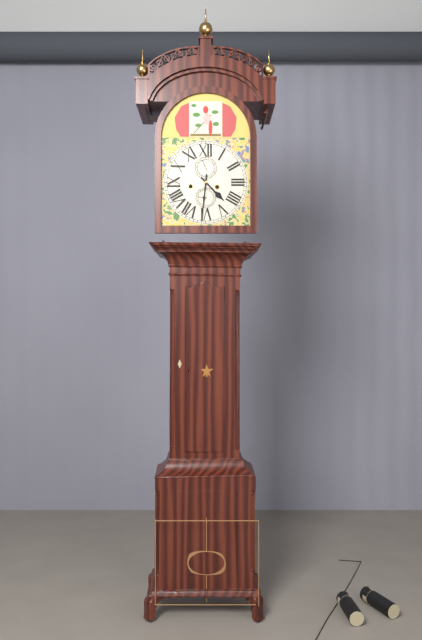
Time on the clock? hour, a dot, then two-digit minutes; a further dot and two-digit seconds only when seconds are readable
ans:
4.31
